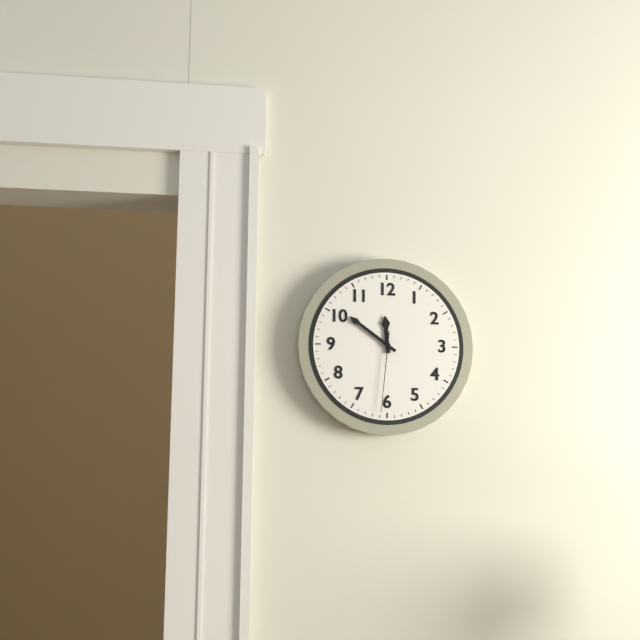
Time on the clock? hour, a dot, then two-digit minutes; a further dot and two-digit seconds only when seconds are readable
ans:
11.51.31
